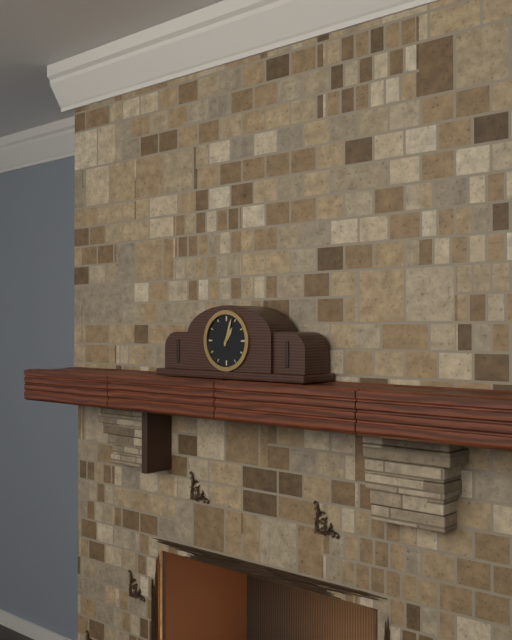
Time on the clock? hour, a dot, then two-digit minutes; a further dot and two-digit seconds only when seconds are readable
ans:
1.03
